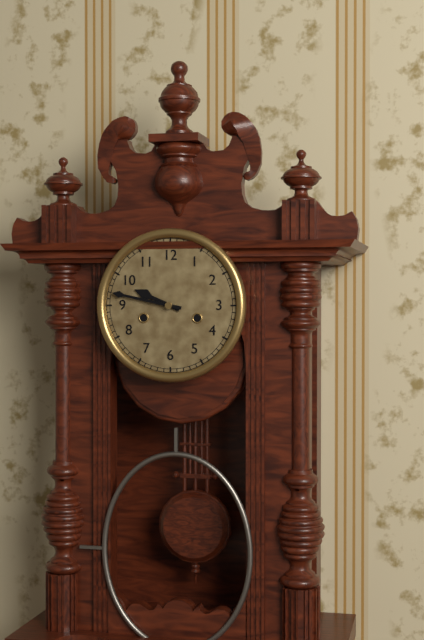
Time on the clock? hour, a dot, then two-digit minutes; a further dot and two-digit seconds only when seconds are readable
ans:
9.47
